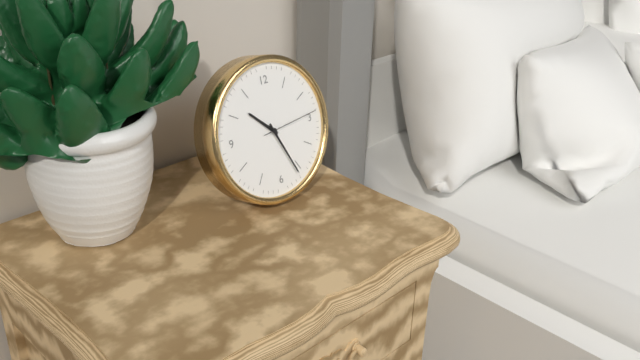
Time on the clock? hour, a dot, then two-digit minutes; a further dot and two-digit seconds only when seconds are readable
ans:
10.26.14
